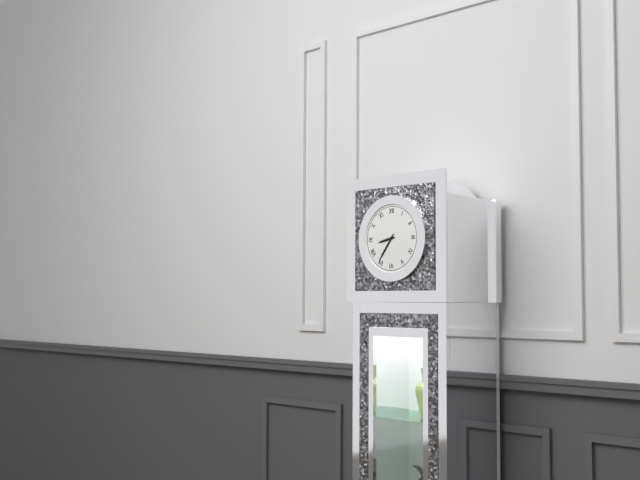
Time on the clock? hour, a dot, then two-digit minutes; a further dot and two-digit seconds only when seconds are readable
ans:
8.36
